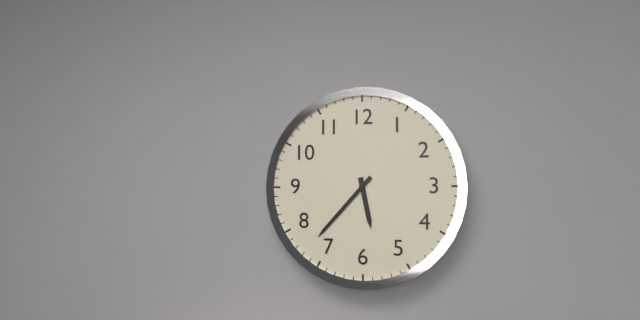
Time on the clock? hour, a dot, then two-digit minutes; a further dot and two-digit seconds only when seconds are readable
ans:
5.37
